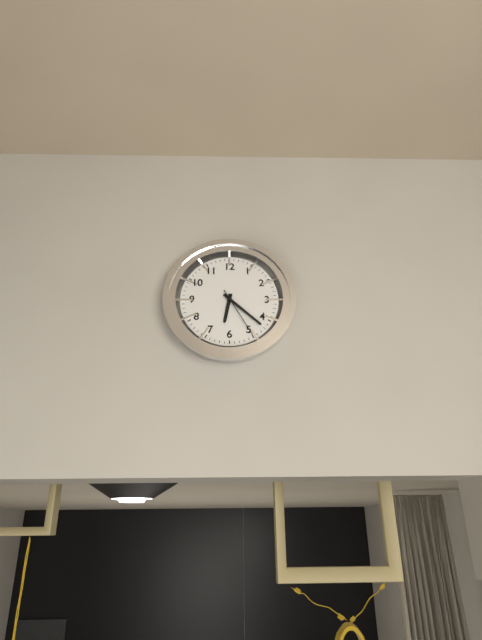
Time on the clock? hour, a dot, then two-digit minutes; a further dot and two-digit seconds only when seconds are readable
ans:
6.22.25
